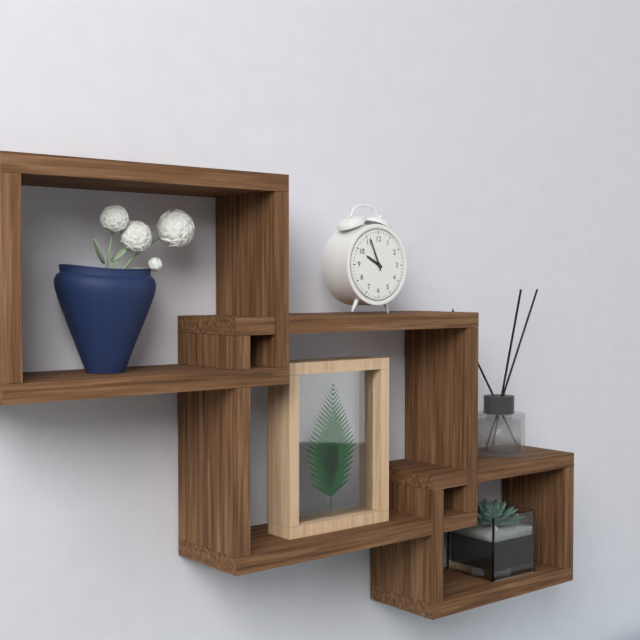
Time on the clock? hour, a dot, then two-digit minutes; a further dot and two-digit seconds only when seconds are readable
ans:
9.56
